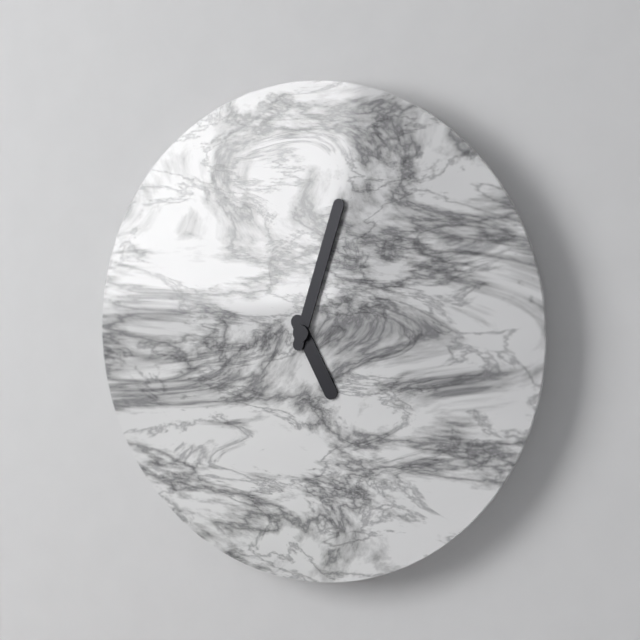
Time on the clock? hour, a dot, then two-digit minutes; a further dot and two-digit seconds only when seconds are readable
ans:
5.03
